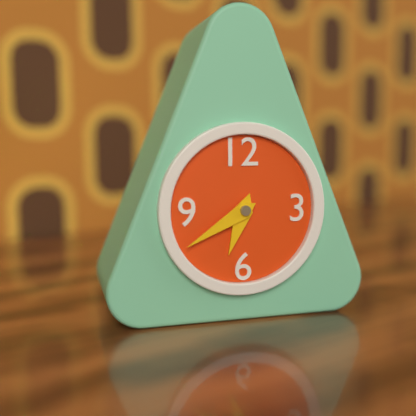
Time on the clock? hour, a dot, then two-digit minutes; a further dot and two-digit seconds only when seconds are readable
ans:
6.40
